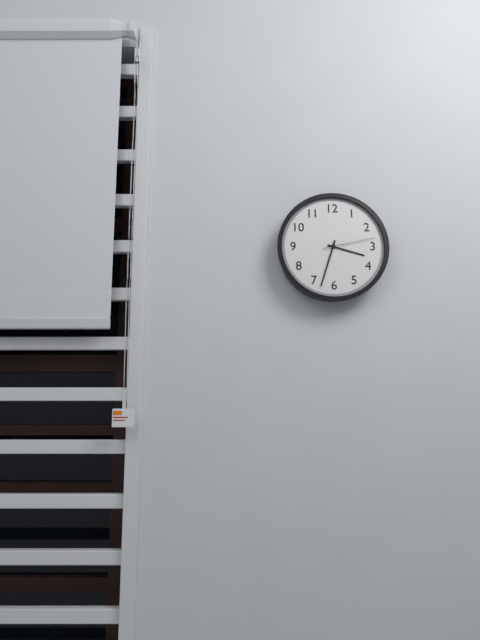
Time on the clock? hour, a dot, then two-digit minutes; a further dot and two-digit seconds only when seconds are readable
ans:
3.33.13
